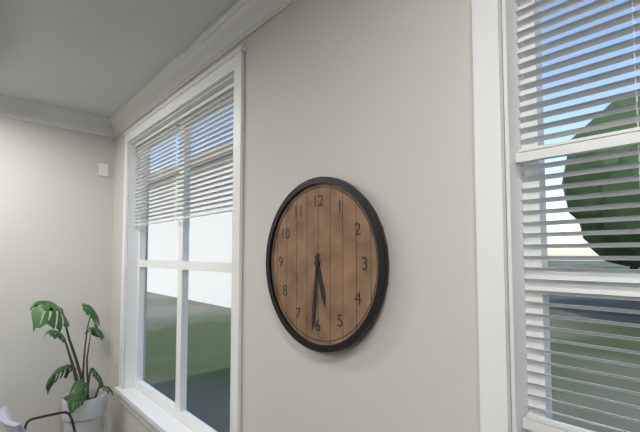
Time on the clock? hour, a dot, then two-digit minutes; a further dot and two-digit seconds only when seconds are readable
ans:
5.31
